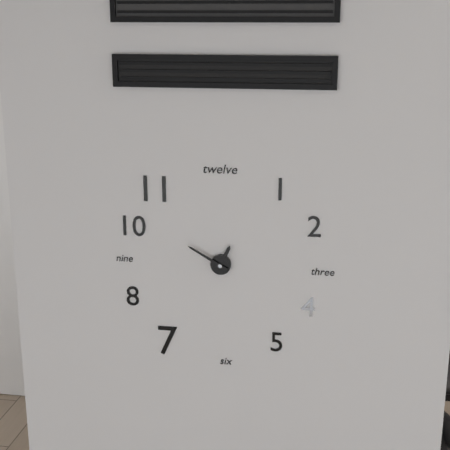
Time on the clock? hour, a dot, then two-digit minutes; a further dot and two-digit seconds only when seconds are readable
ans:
12.50
